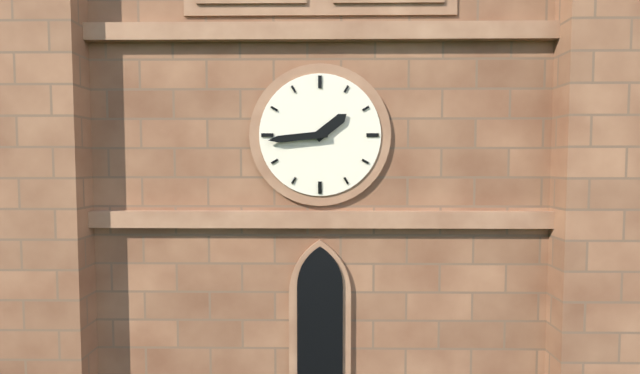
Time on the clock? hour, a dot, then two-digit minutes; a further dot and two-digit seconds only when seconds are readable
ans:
1.44
